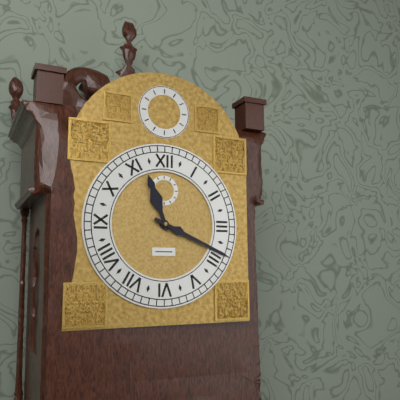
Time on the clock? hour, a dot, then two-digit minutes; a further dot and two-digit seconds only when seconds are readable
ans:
11.19
